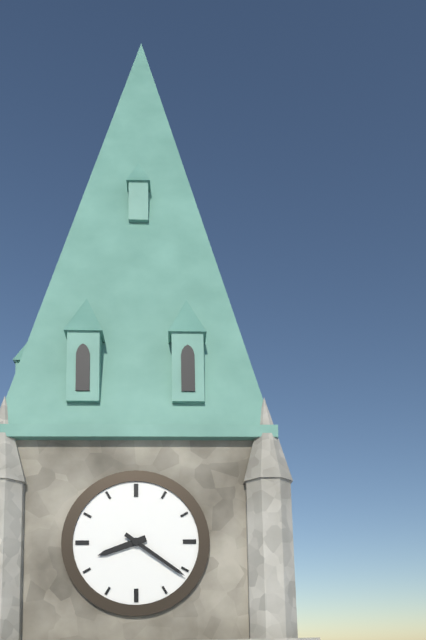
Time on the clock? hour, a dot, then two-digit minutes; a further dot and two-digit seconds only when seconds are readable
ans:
8.21
